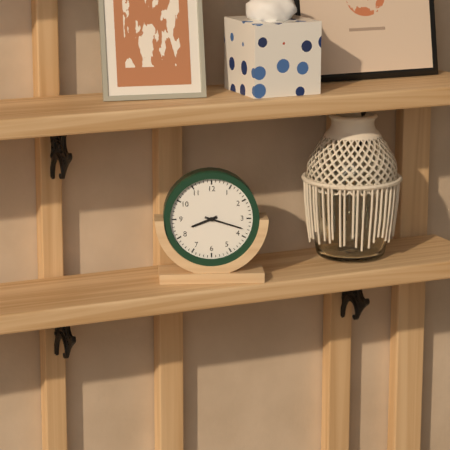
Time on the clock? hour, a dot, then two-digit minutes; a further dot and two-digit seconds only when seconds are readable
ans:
8.18
